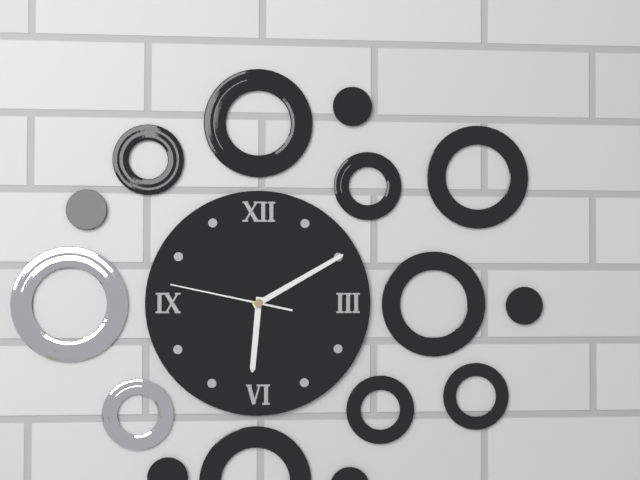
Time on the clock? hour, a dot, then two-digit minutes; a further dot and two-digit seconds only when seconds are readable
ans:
6.10.47
